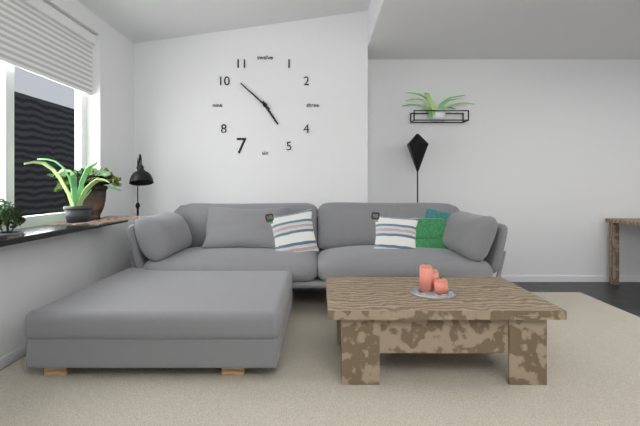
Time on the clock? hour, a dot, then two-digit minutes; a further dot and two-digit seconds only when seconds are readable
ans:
4.52
